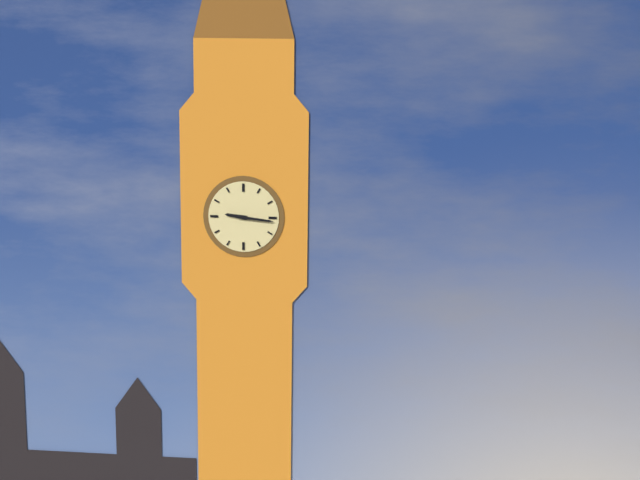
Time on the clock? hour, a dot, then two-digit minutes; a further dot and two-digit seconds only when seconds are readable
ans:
9.16
